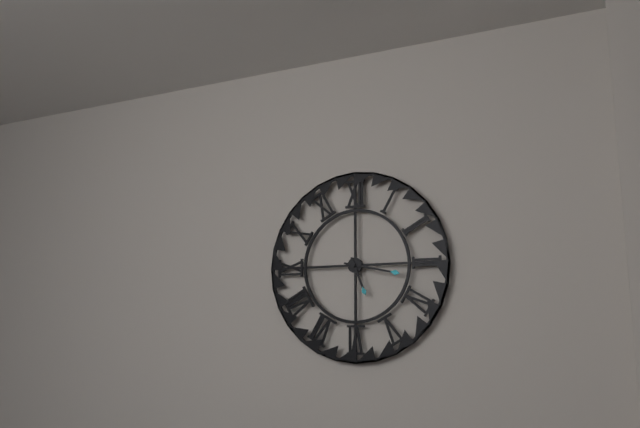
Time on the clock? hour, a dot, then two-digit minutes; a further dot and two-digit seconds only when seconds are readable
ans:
5.17
